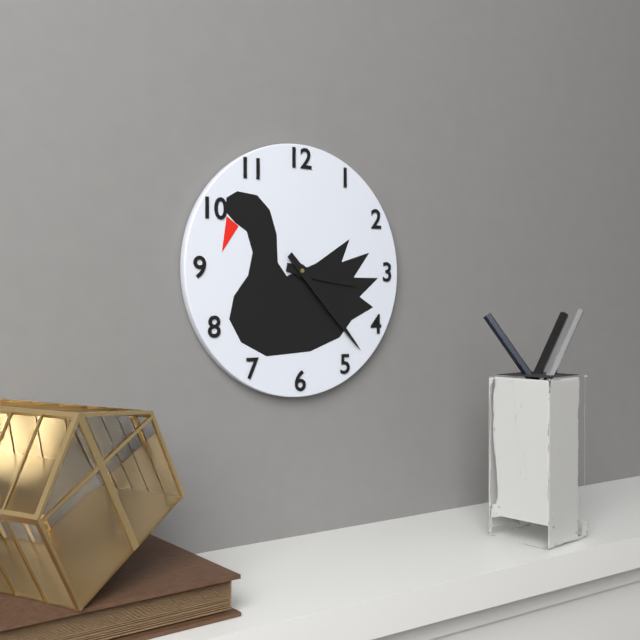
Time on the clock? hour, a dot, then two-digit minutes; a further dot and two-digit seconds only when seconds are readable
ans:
3.23
